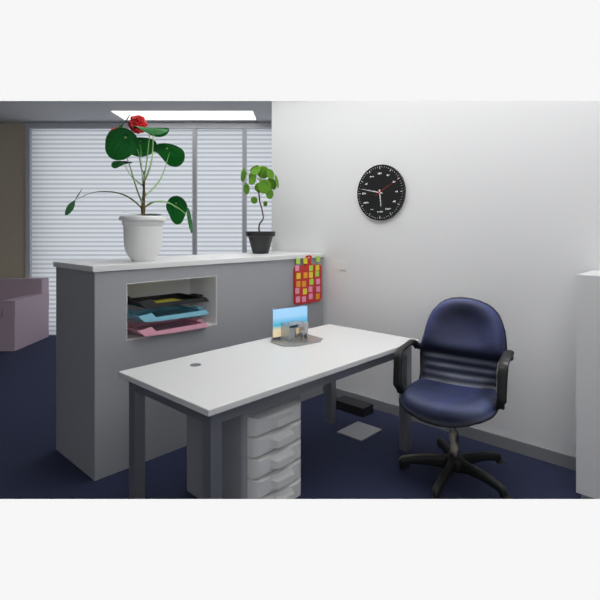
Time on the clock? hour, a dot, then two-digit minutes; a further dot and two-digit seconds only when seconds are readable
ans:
5.47
